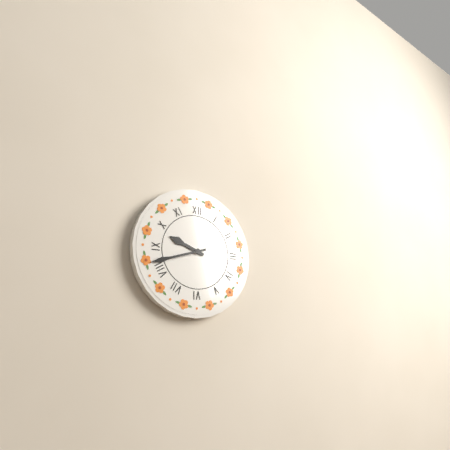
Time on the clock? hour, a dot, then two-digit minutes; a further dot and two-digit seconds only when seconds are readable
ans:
9.42
